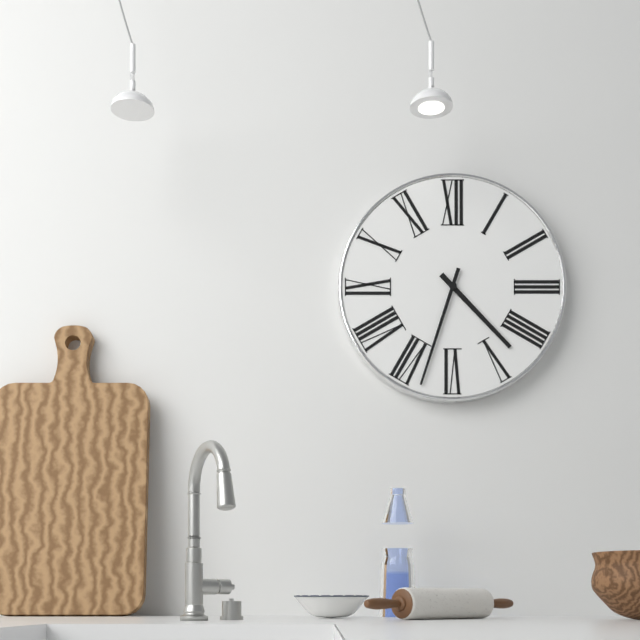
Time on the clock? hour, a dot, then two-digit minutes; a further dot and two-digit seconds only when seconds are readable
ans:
4.33
